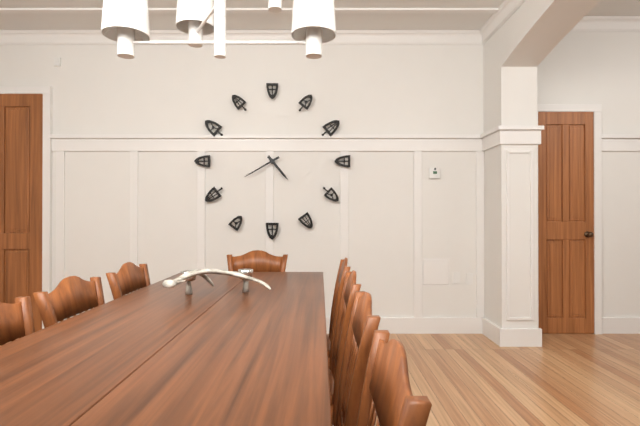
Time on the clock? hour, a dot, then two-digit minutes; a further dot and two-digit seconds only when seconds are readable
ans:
4.40
